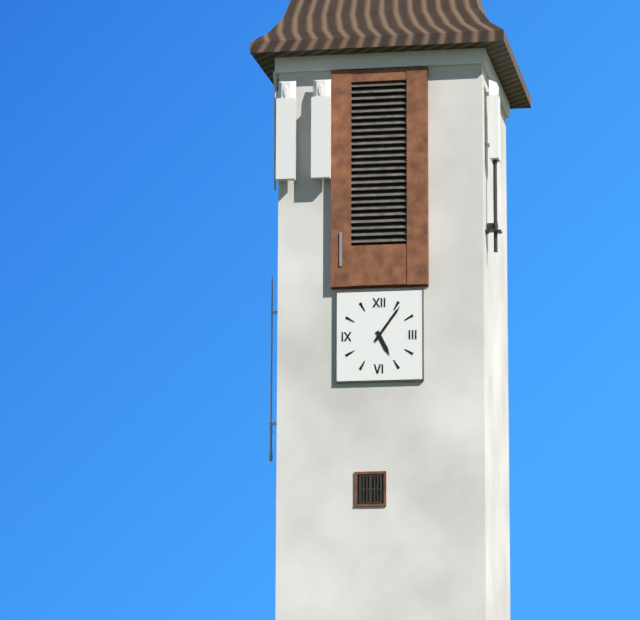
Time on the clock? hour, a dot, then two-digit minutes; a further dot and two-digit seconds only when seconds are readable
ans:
5.06
